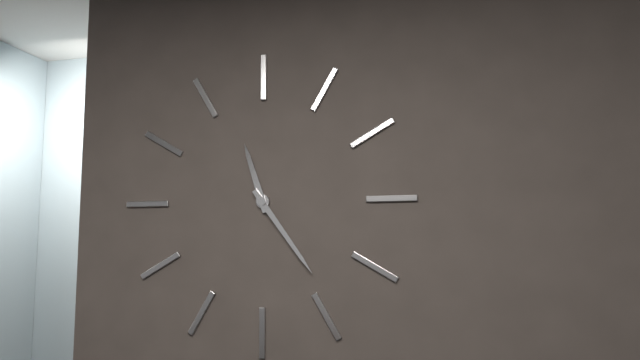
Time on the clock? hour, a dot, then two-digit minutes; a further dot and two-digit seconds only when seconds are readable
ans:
11.24
